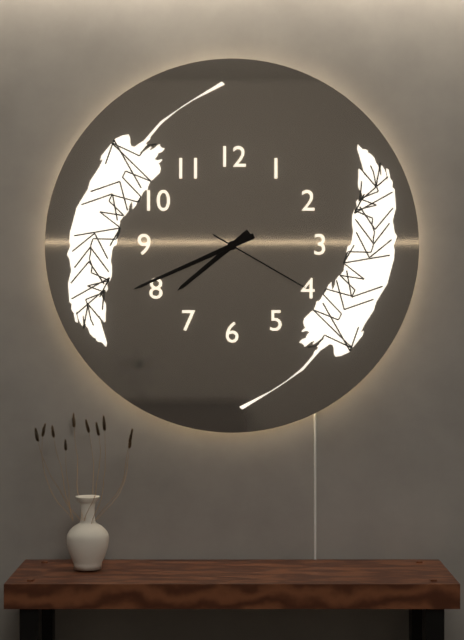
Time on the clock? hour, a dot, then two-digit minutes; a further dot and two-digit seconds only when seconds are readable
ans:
7.41.20
